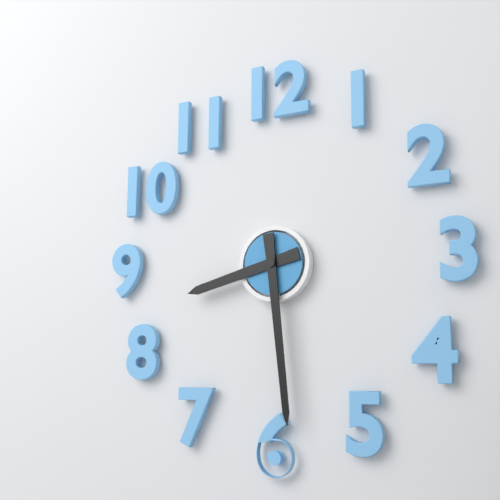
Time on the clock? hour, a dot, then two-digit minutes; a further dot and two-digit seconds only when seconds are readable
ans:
8.29
